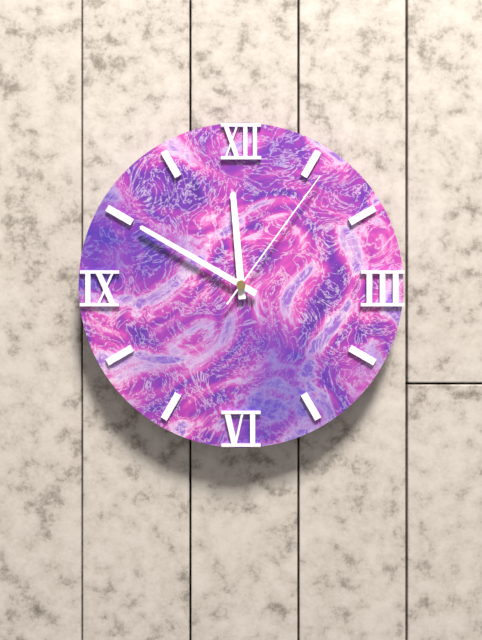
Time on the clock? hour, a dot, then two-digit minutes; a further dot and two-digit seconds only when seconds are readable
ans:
11.50.06
